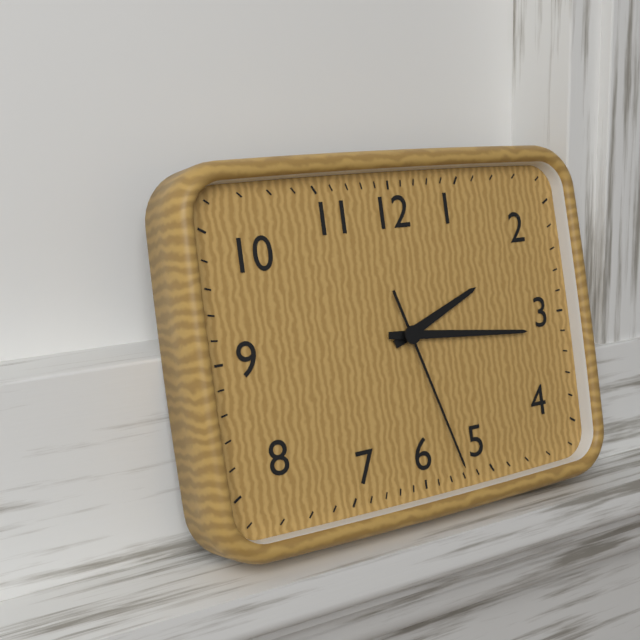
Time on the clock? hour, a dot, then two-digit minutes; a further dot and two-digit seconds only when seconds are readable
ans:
2.16.27
